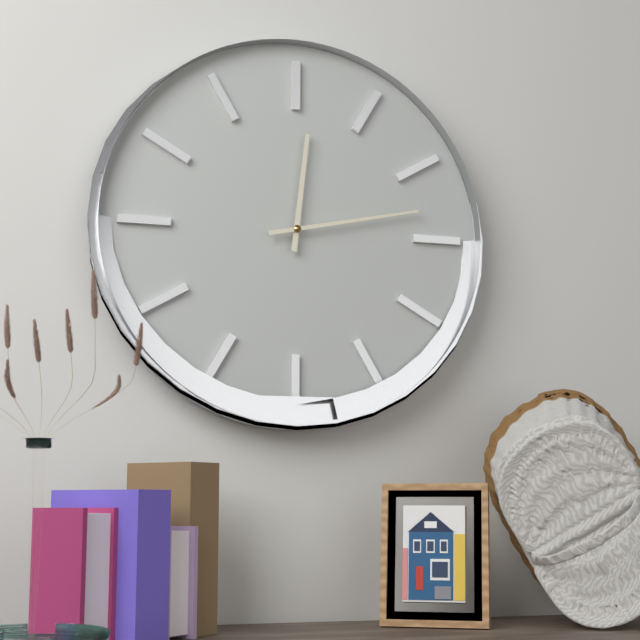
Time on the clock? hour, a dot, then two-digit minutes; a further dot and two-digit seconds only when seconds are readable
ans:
12.13
